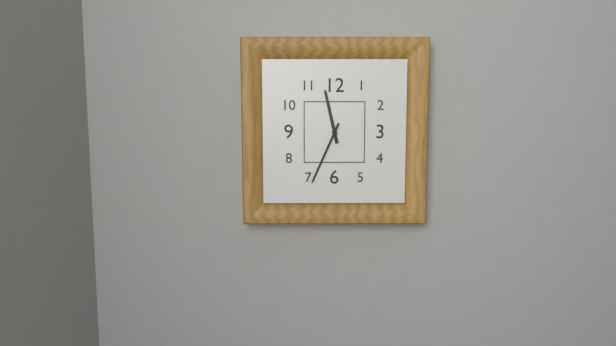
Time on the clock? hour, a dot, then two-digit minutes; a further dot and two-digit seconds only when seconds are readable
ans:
11.34
